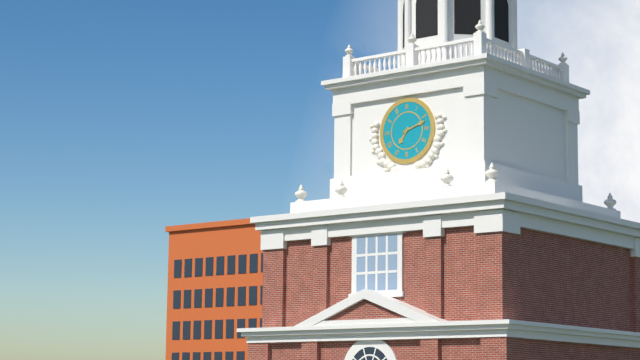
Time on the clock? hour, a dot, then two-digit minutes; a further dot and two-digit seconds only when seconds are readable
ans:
7.12
